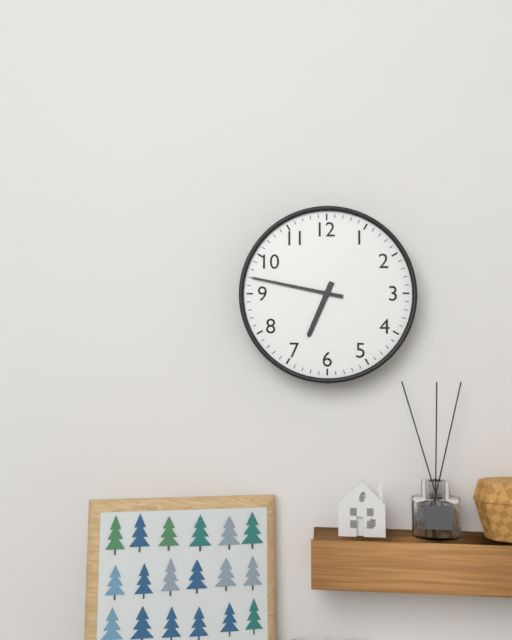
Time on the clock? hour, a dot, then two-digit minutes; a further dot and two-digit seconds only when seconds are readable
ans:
6.47
